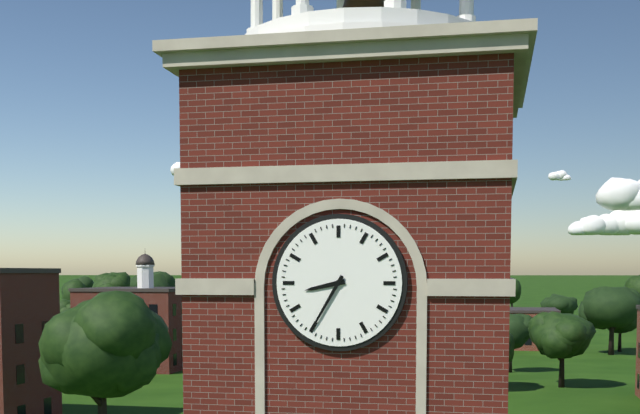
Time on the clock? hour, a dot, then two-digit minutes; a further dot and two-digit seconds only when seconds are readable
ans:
8.35
